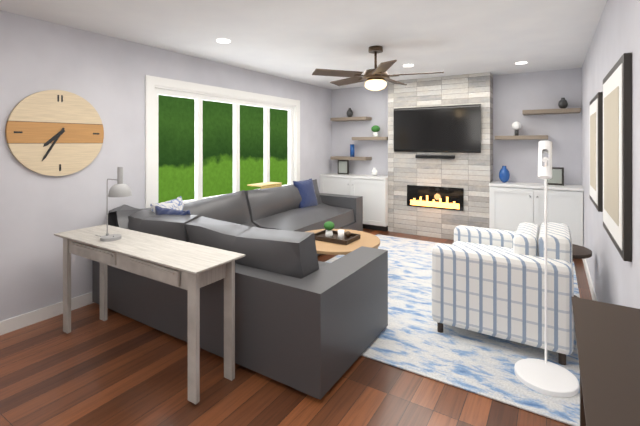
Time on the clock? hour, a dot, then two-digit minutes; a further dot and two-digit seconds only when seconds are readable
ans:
7.35
